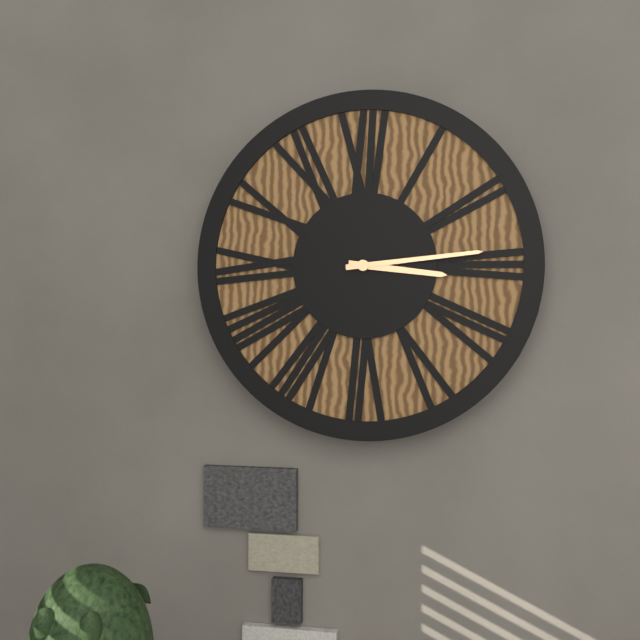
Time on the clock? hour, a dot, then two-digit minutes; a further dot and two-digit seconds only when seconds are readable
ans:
3.14
